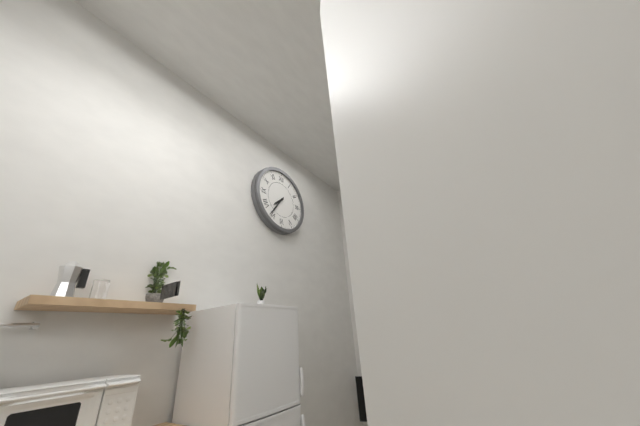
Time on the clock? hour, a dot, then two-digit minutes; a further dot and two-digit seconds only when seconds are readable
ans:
7.36
